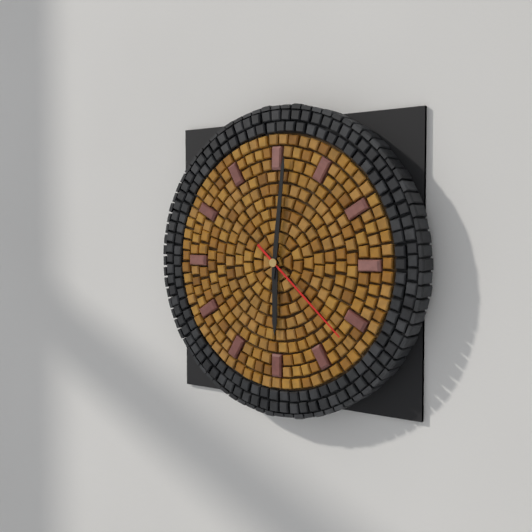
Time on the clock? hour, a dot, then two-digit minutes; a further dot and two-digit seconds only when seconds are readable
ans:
6.01.22
